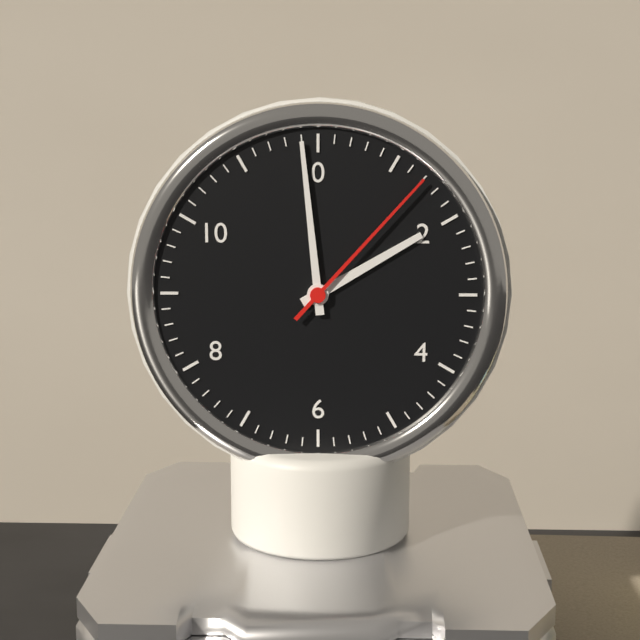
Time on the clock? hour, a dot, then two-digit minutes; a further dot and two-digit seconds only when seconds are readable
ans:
1.59.07
